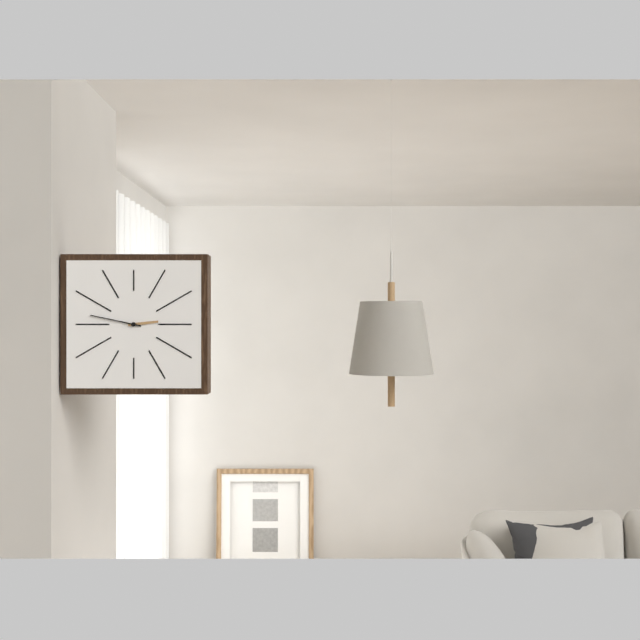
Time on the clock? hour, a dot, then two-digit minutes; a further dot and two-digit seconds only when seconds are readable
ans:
2.47
